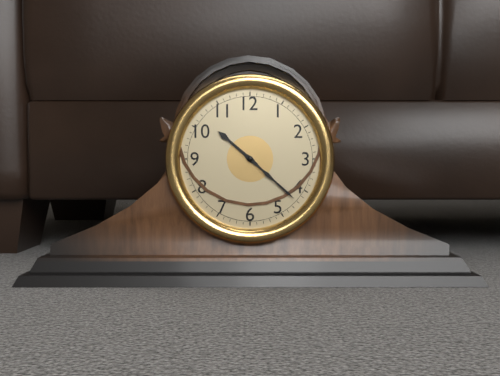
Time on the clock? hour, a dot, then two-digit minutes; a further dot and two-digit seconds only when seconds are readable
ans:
10.22
